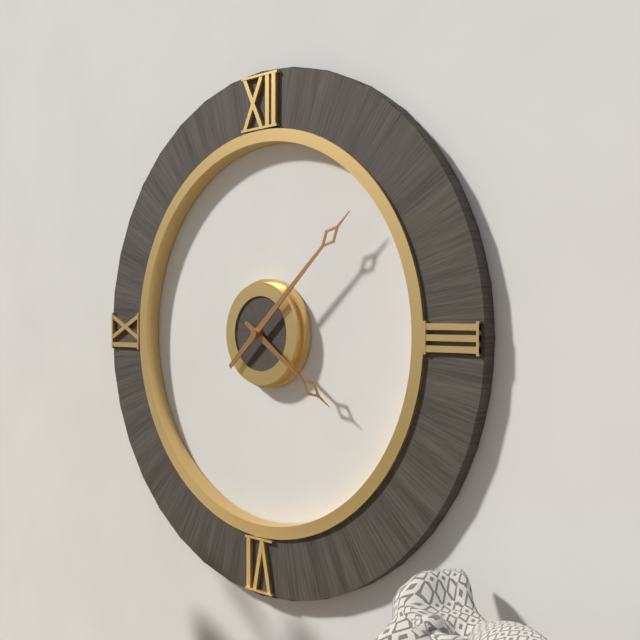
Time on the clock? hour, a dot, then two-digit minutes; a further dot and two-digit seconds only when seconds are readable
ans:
4.08
